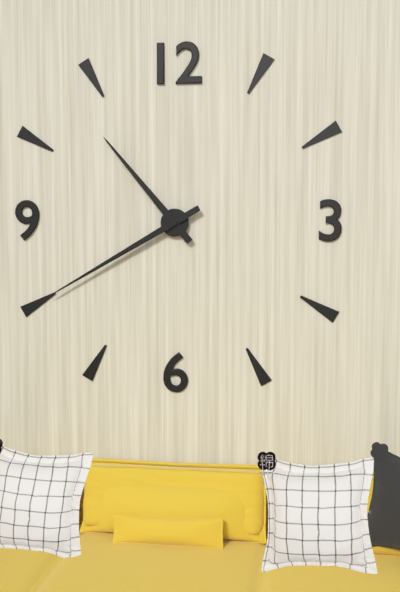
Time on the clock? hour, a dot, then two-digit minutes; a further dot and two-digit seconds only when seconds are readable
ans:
10.40
